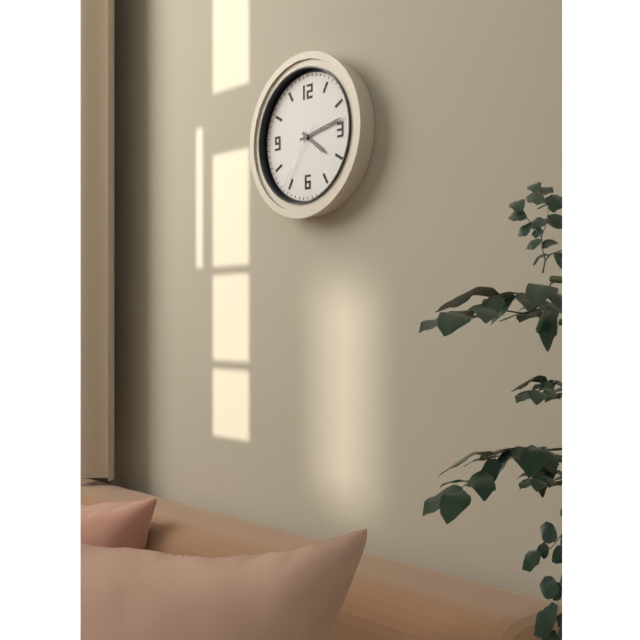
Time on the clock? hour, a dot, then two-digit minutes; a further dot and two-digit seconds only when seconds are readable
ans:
4.13.36
